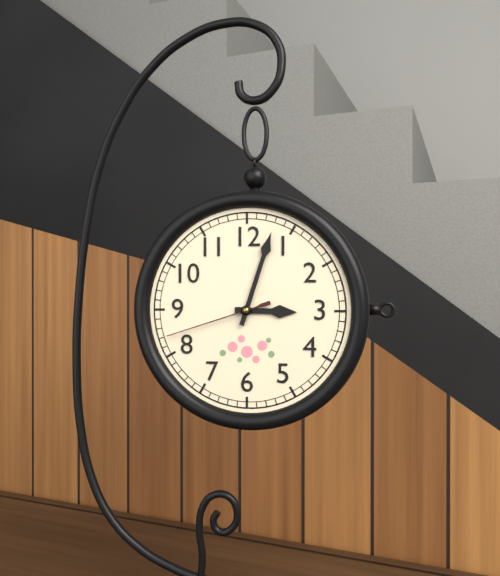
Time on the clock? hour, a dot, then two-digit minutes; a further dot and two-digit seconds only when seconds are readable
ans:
3.03.42
